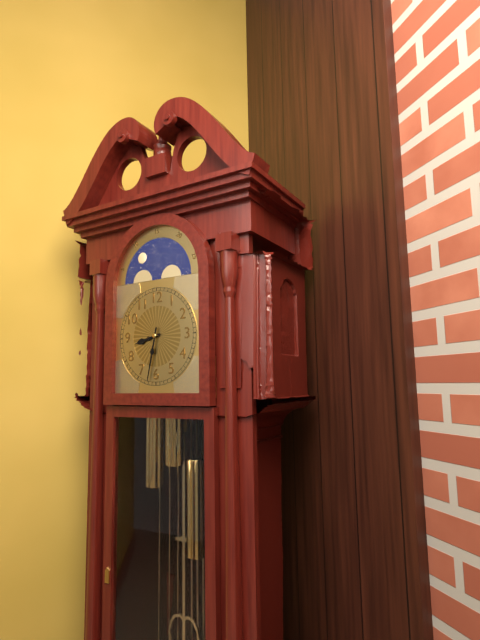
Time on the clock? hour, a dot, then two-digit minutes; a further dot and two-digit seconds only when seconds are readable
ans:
8.32
